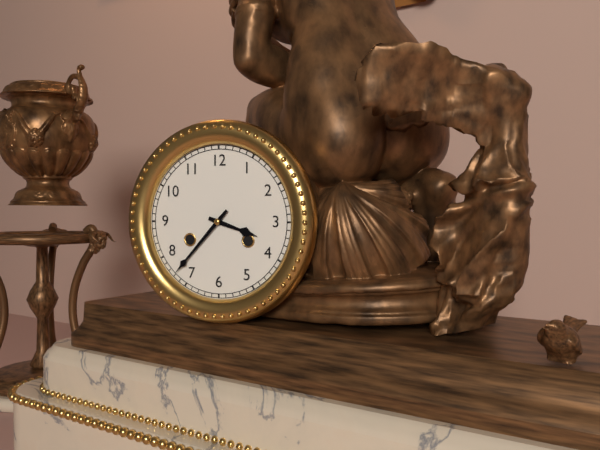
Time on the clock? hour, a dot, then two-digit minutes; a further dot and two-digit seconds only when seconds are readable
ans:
3.37
